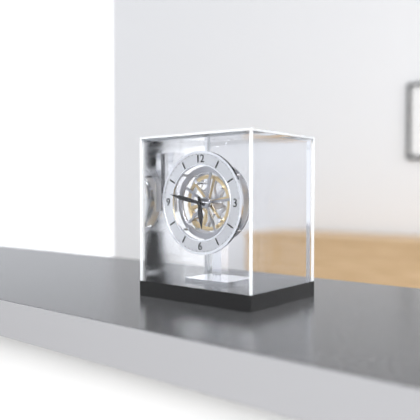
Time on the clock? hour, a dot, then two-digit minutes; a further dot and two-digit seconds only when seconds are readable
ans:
5.47
